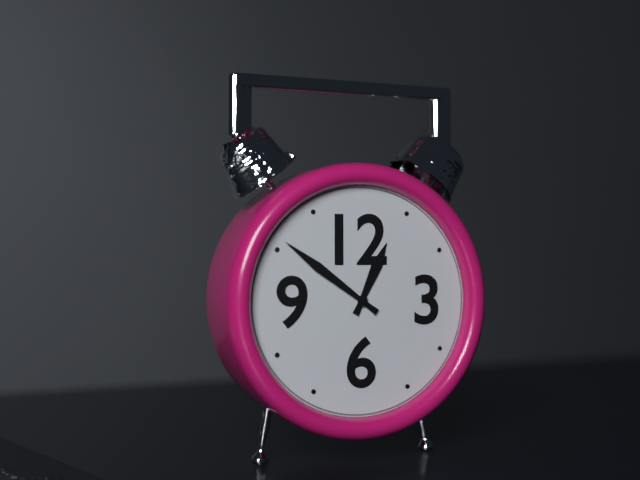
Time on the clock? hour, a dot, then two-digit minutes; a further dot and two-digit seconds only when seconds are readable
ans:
12.51
